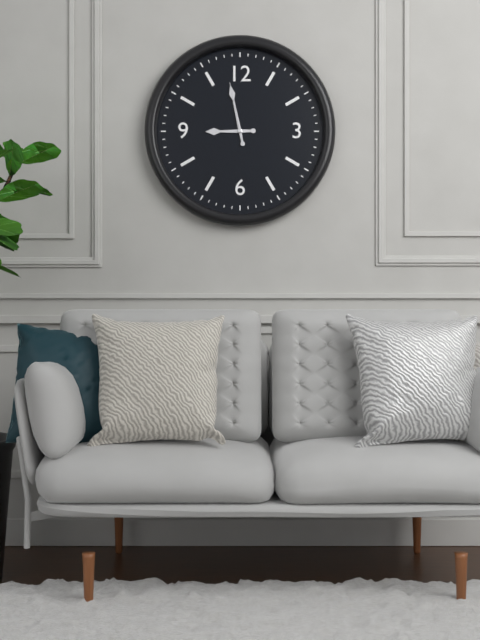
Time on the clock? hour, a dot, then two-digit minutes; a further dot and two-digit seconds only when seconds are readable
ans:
8.58.58
